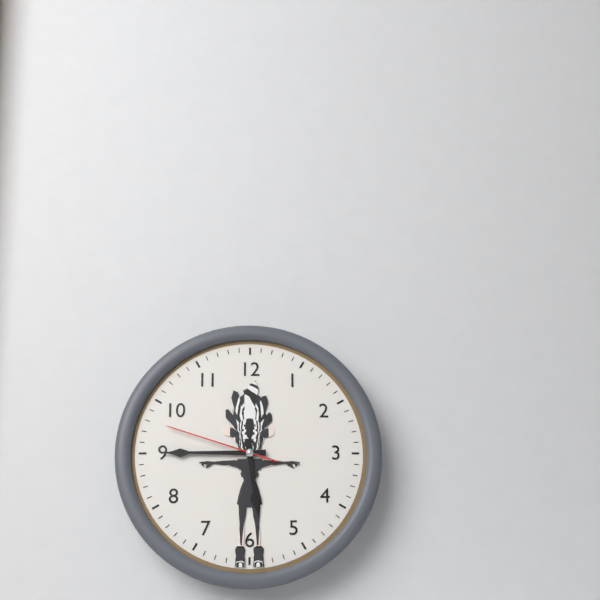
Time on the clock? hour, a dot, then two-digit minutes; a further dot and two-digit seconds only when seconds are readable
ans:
5.45.48
